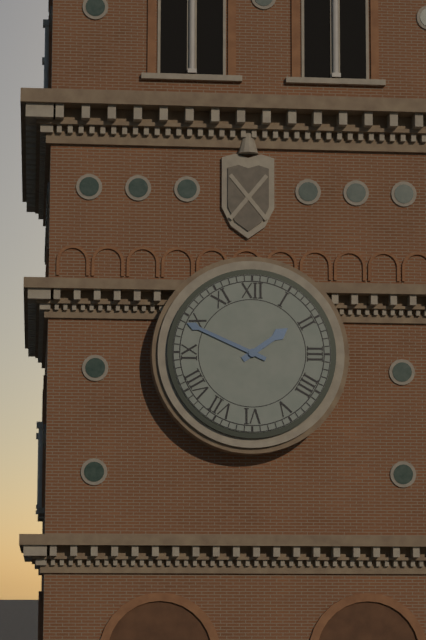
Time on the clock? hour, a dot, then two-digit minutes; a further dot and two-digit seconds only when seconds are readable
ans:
1.49
